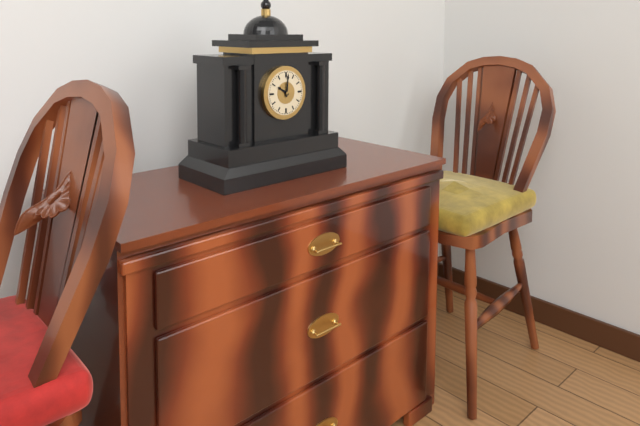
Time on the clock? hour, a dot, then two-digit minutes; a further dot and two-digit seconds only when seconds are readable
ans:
10.01
